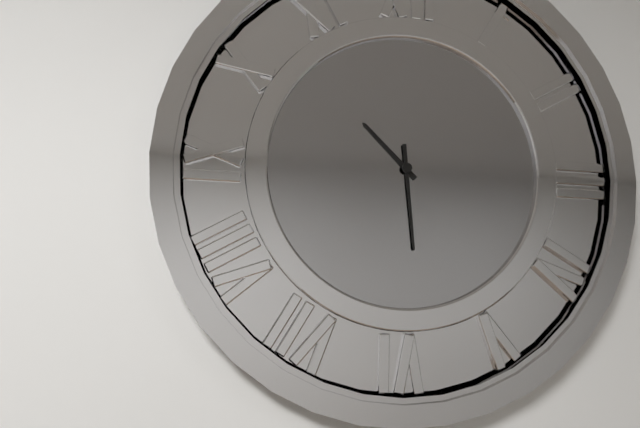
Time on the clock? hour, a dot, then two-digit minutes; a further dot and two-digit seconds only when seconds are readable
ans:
10.29
